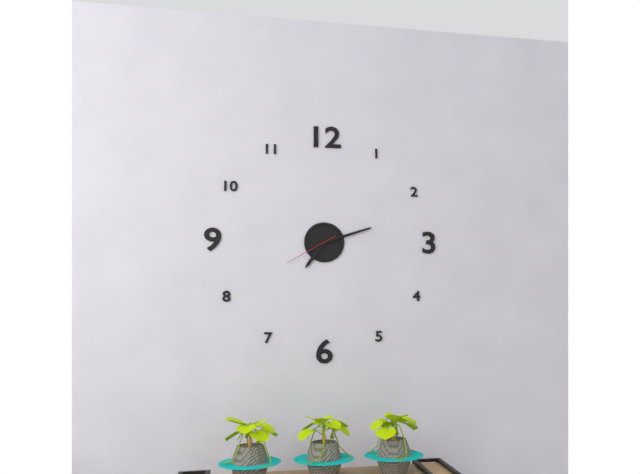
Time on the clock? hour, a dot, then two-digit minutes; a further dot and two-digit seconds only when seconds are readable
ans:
7.12.40
